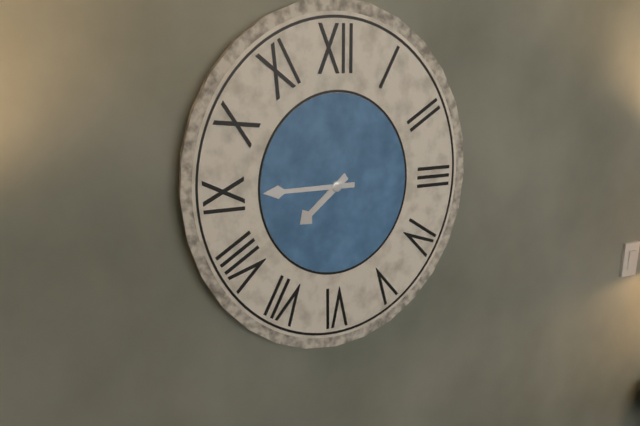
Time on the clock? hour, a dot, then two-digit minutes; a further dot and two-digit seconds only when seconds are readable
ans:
7.45
